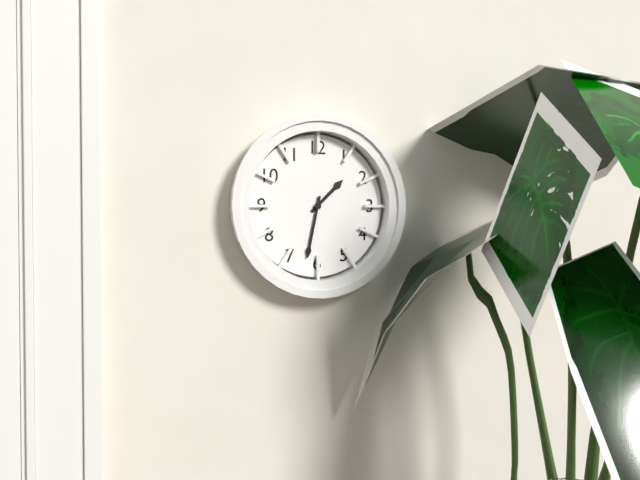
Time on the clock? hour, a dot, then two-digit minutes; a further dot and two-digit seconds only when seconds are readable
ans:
1.32
